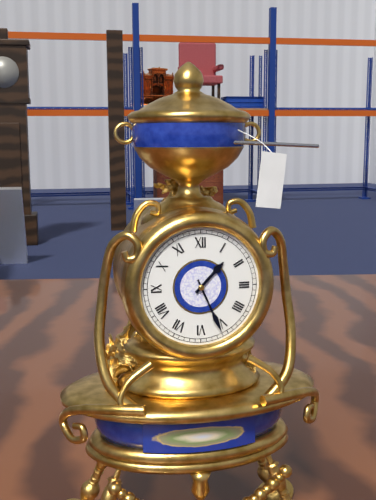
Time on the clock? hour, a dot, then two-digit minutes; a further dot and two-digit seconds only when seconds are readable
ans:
1.26
